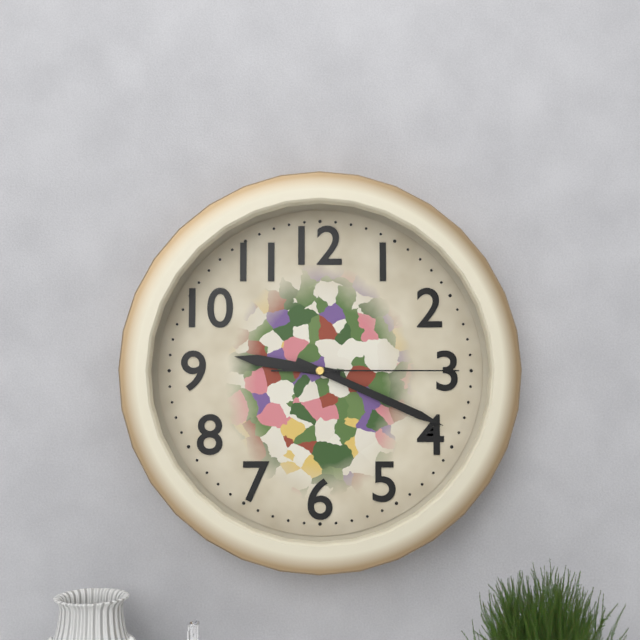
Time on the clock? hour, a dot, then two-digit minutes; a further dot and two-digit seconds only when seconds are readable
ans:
9.19.15
